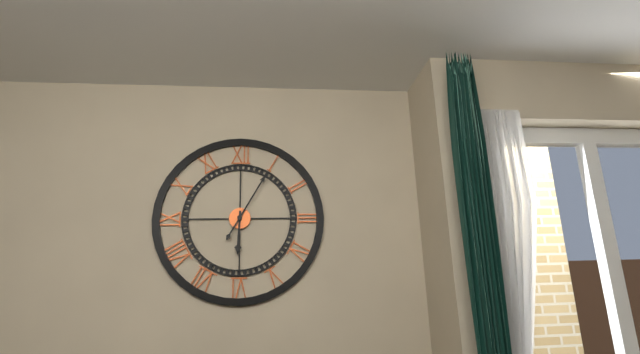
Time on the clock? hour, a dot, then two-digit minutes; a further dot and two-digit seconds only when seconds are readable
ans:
6.05
